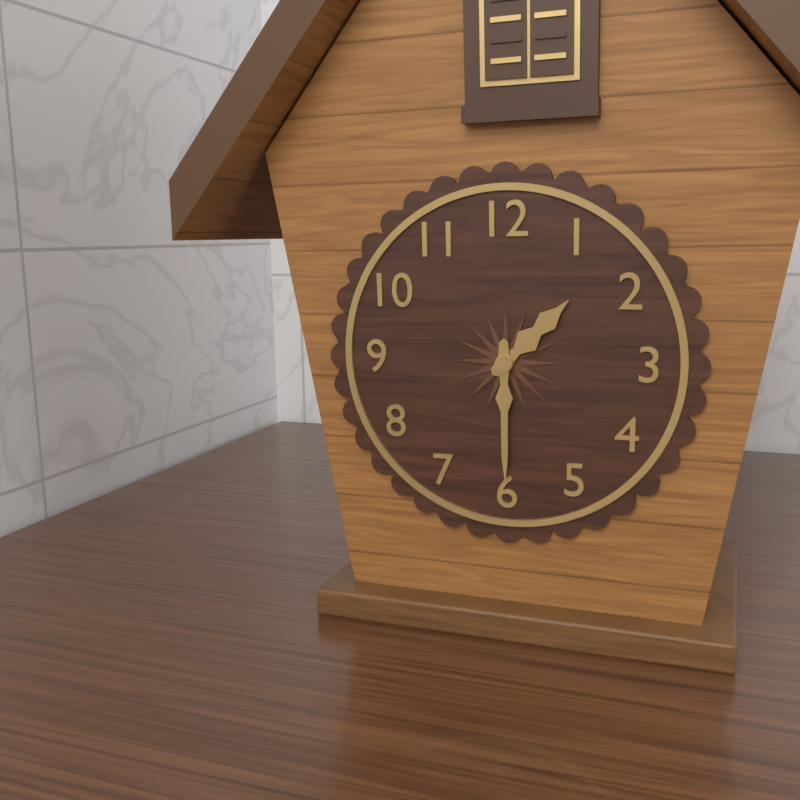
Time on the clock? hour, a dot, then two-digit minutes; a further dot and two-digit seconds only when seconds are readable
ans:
1.30
